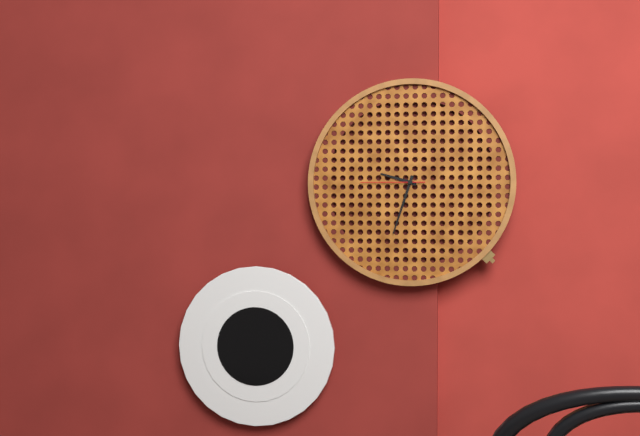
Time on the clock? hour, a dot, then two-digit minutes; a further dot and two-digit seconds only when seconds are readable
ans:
9.33.45
